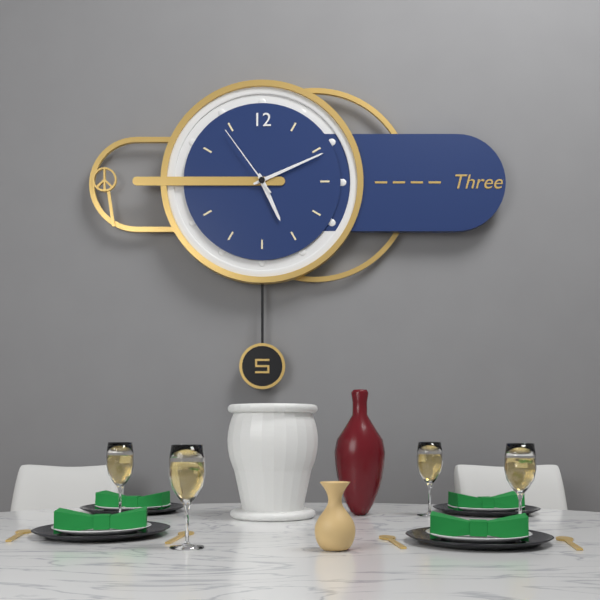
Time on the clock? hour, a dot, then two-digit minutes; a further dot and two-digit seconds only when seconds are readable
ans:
5.11.54
